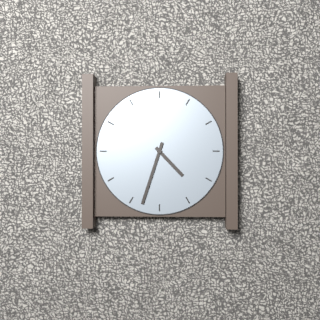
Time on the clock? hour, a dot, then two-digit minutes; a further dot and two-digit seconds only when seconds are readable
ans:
4.33
